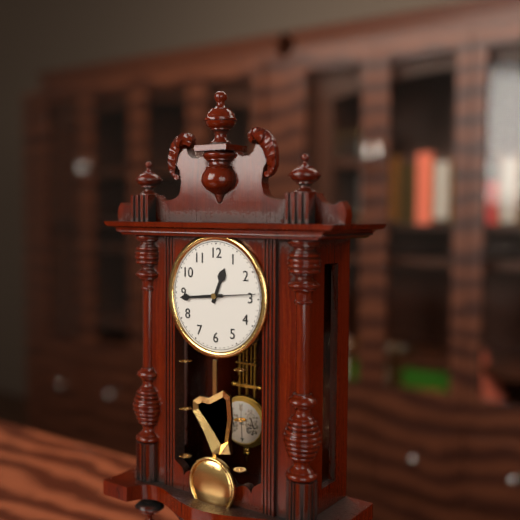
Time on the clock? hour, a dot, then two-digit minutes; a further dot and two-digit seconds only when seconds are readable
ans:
12.44.14
